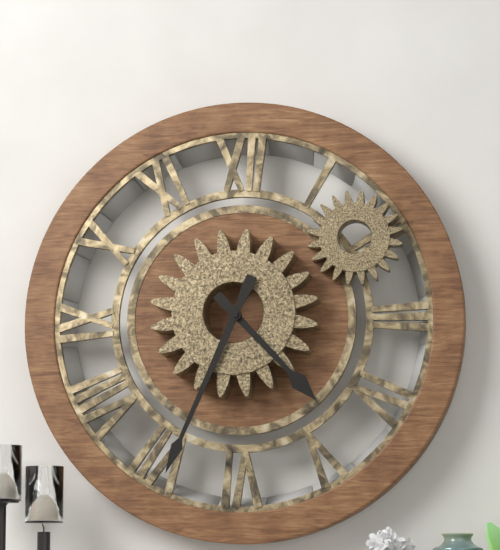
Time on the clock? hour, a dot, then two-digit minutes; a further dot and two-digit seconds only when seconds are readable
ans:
4.34
